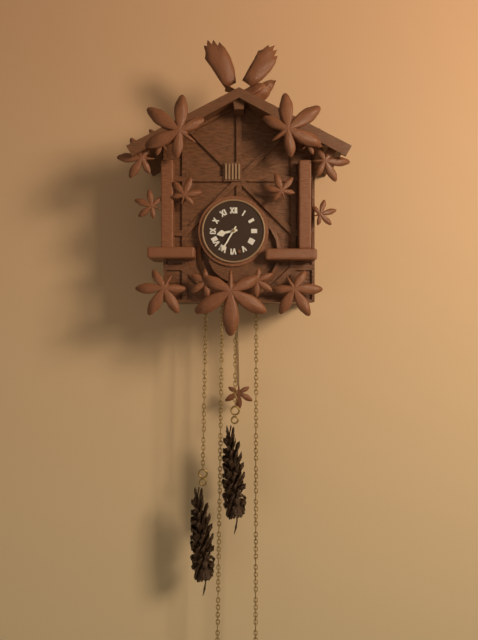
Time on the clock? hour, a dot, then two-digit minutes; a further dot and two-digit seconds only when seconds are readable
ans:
8.35
